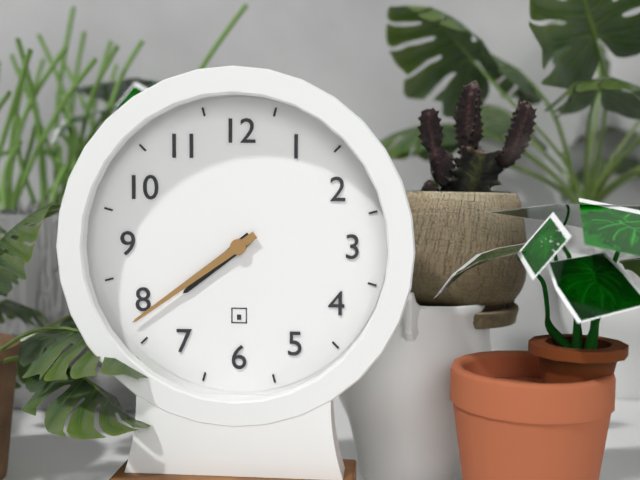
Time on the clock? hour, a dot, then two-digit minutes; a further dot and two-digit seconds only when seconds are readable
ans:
7.39
